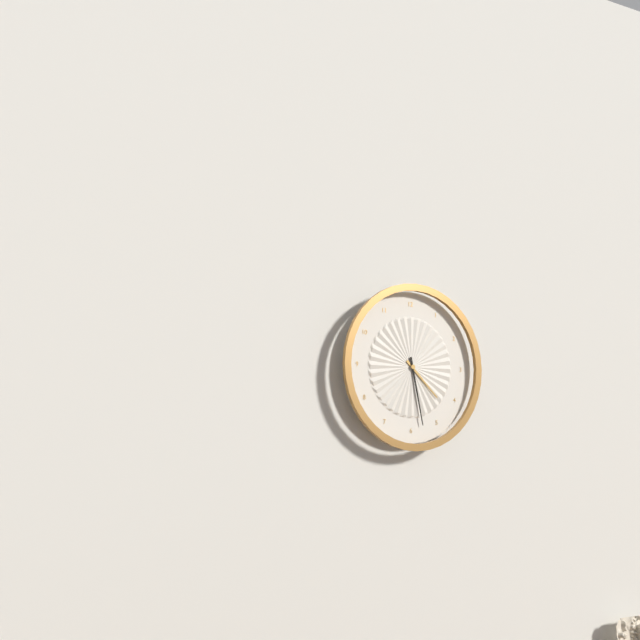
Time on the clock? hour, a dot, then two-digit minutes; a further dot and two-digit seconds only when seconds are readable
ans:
4.28
